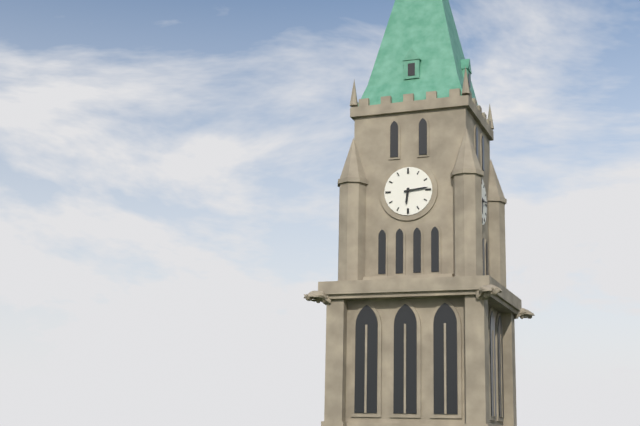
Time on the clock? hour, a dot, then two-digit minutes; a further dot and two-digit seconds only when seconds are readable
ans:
6.14
